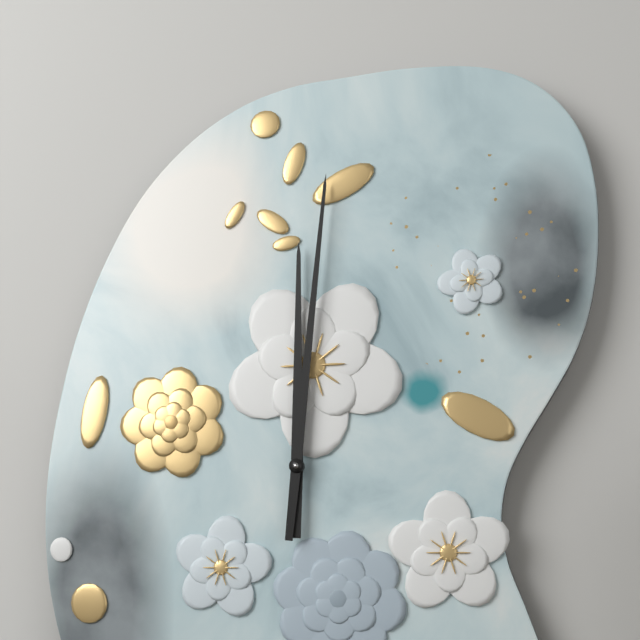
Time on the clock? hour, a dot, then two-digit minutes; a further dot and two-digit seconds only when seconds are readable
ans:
12.01
